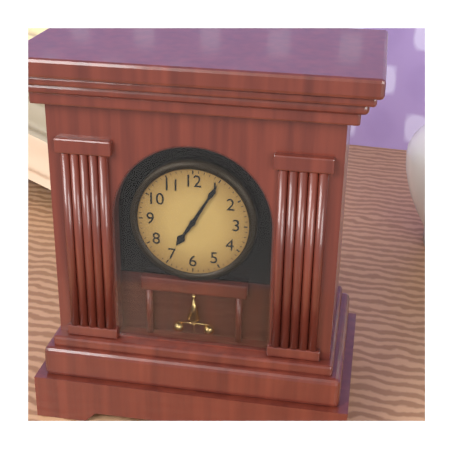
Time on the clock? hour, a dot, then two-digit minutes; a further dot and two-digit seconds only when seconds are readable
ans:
7.05
